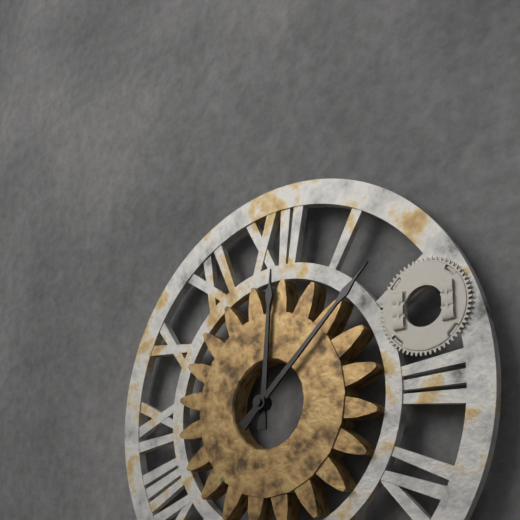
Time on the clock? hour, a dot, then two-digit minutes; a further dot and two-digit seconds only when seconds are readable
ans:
12.08
